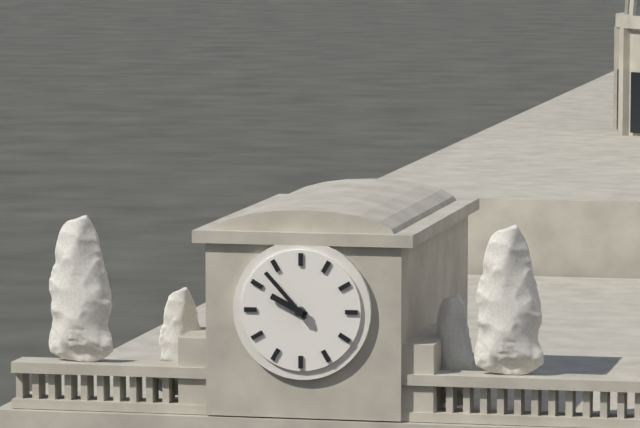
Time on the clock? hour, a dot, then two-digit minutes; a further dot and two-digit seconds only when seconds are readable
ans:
9.53
